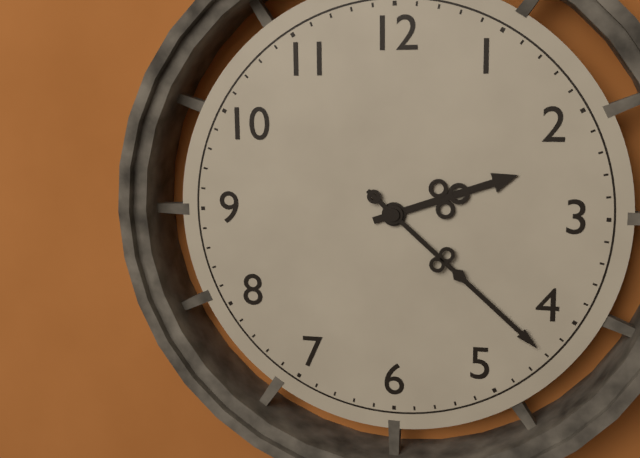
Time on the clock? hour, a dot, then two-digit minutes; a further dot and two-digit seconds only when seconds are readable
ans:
2.22
